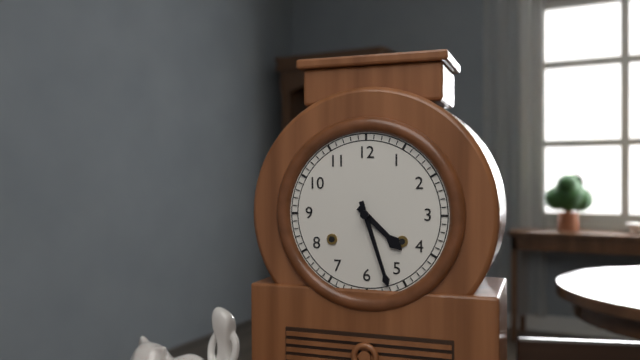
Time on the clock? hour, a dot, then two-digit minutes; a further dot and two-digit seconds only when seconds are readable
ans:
4.27
